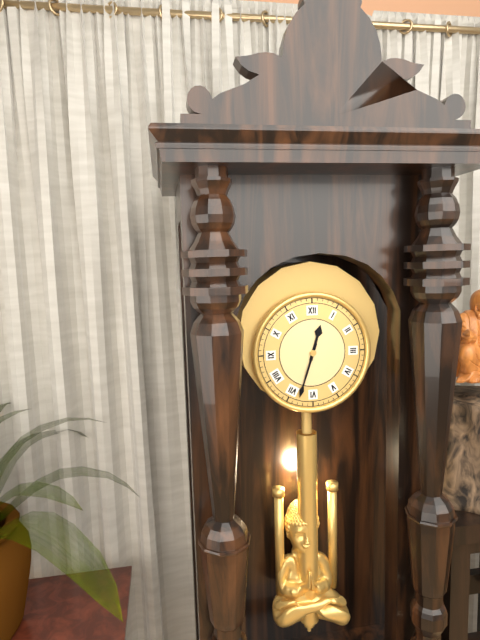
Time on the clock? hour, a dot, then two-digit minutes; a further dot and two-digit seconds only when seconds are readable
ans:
12.33
